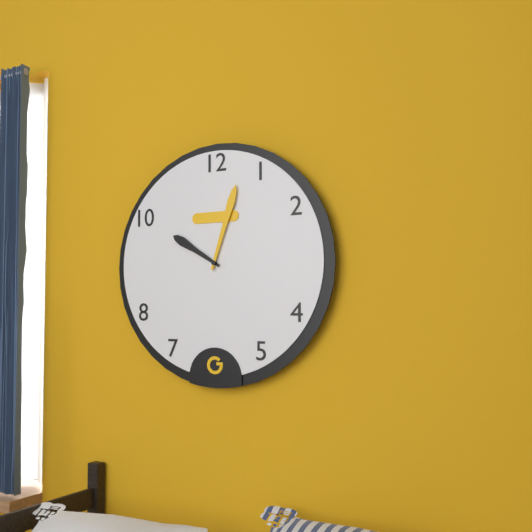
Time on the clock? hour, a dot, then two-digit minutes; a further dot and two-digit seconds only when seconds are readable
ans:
10.03
